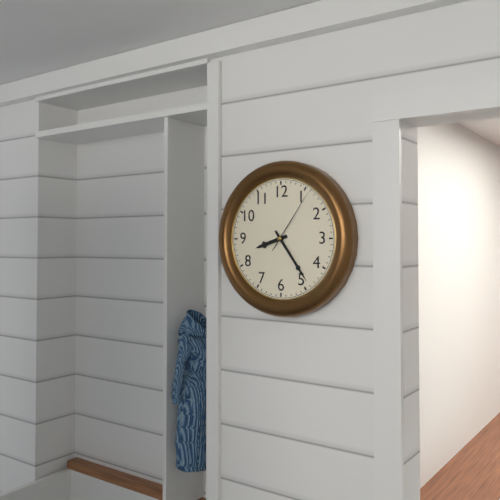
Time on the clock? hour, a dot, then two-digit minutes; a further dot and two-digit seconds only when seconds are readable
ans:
8.24.06
